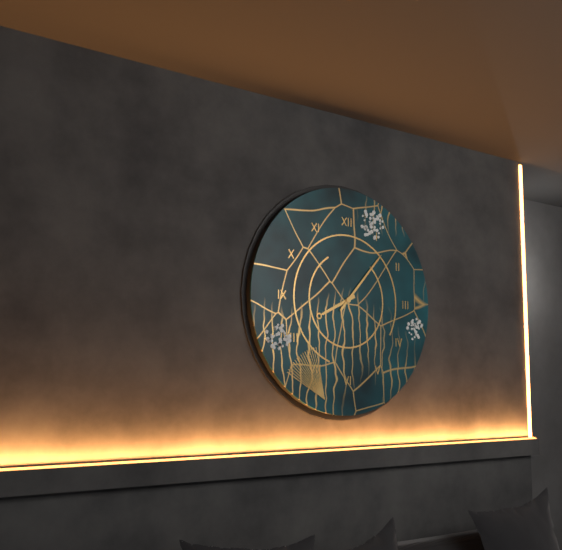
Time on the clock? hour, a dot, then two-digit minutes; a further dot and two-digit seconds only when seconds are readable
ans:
8.07
